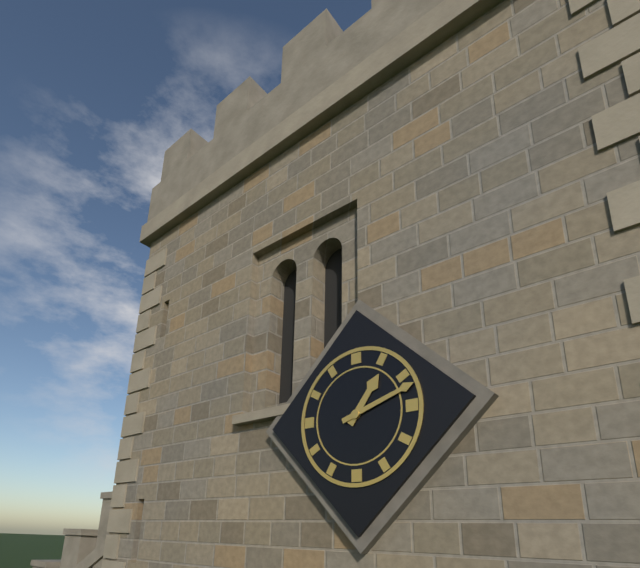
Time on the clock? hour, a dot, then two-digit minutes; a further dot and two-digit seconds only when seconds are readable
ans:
1.12
